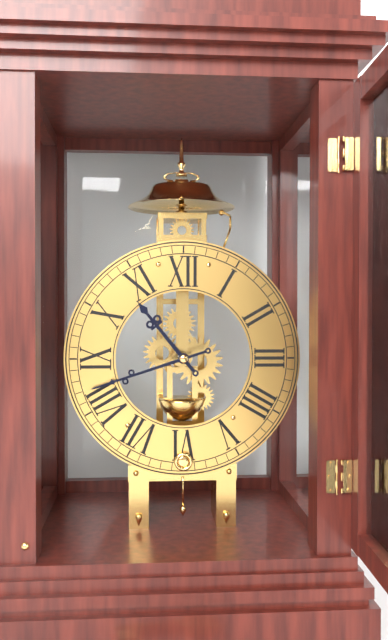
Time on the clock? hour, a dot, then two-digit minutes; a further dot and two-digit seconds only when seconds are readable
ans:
10.42
